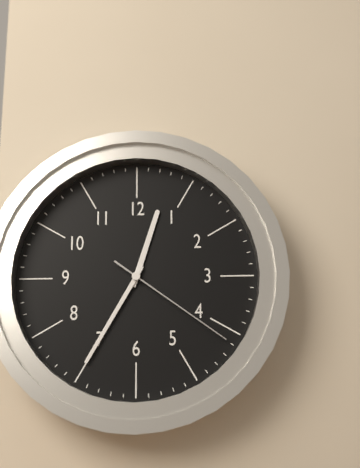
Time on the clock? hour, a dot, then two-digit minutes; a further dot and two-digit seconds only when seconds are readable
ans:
12.35.21
